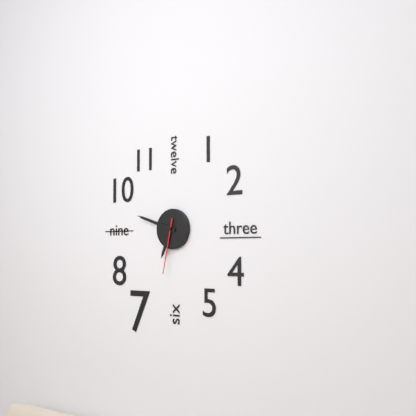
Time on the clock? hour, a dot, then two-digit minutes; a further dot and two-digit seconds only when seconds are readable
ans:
6.48.32
